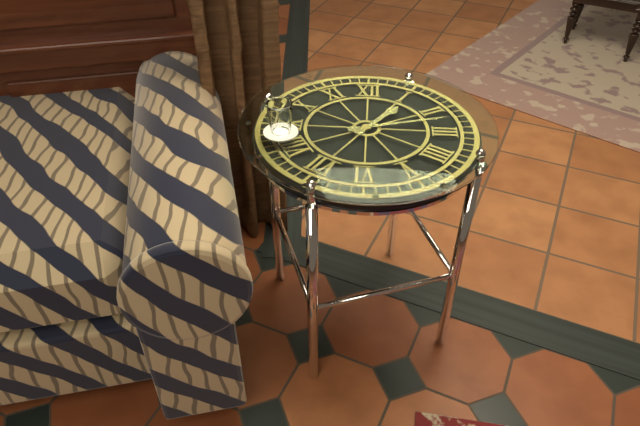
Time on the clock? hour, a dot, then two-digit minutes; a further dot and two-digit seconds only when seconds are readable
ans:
1.12
